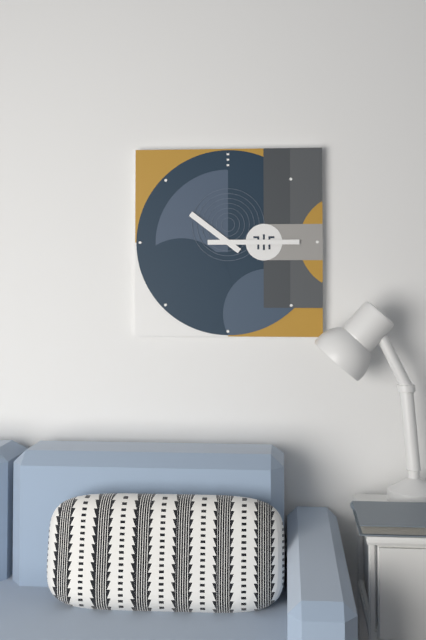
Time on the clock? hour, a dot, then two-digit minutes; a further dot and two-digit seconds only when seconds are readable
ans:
10.15
